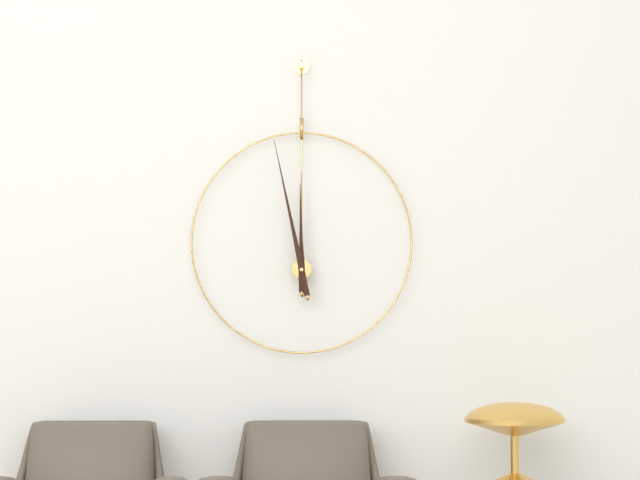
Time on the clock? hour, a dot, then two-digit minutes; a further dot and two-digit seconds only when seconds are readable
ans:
11.58
